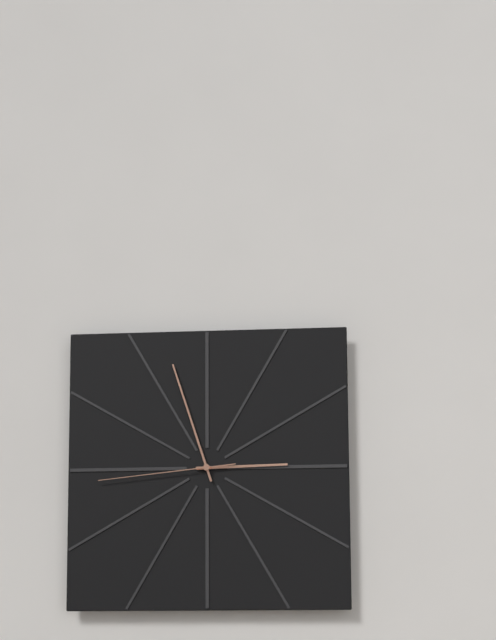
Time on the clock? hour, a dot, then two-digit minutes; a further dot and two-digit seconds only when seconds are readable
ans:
2.57.44
